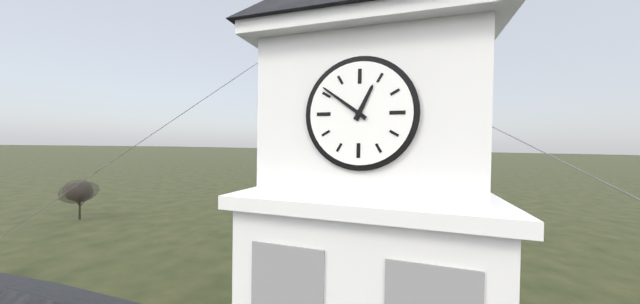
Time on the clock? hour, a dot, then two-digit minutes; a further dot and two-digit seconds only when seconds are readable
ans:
12.51
